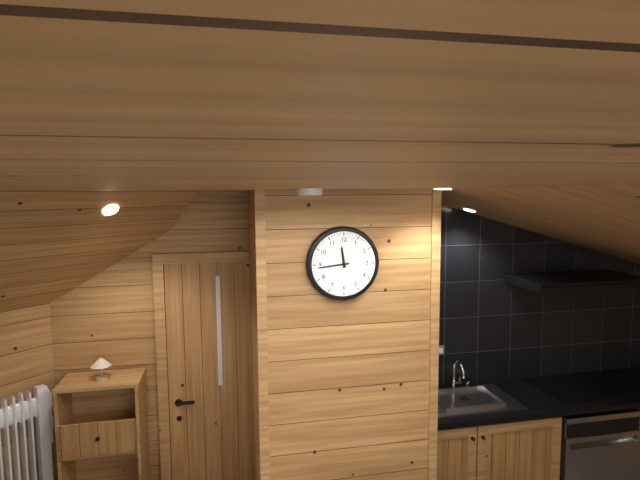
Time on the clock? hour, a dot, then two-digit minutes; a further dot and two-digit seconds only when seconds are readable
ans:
11.44
